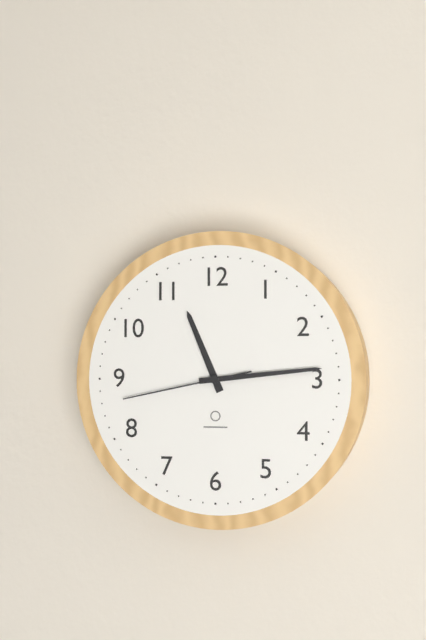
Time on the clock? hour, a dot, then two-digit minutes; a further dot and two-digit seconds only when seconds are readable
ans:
11.14.43
